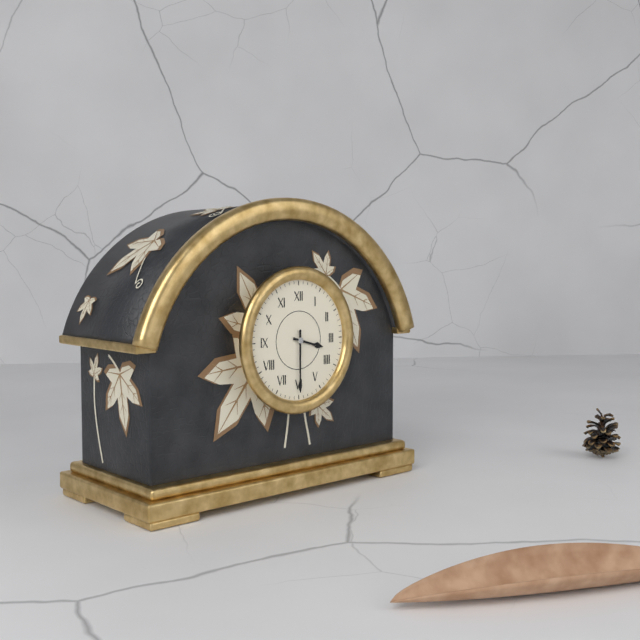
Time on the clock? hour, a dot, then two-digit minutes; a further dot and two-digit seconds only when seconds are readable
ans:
3.30
